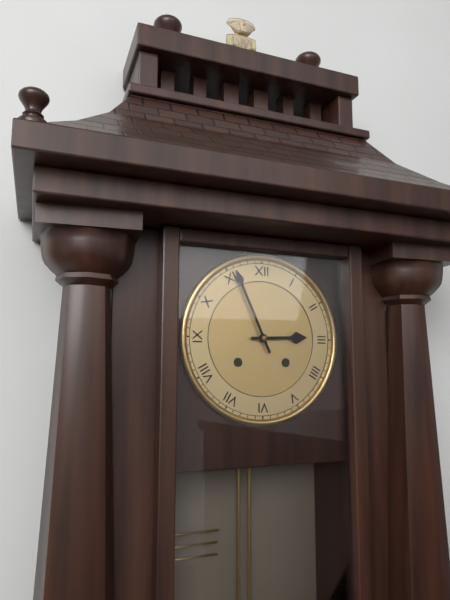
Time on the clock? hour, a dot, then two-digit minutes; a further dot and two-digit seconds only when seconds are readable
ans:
2.56
